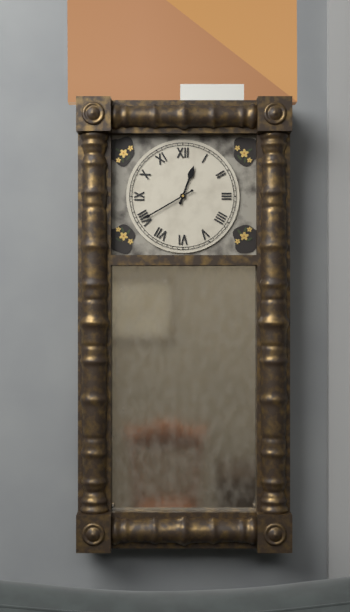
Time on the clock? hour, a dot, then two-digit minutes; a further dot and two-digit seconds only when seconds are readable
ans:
12.40
